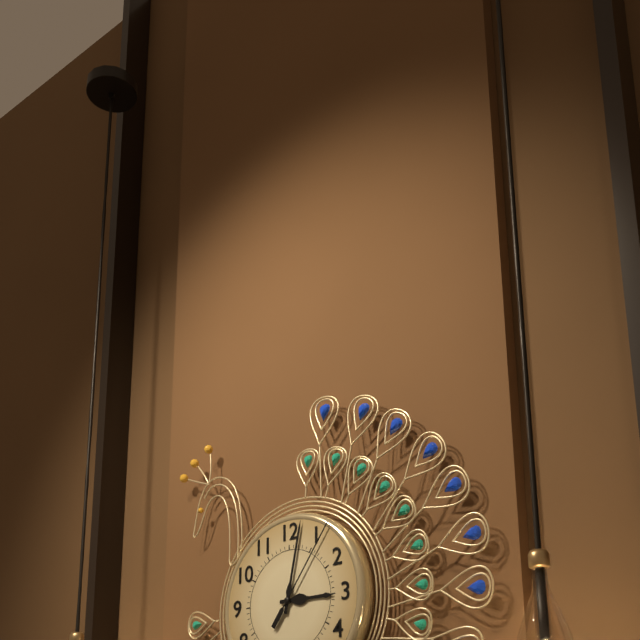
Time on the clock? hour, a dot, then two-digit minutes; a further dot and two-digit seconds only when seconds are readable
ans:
3.02.06
